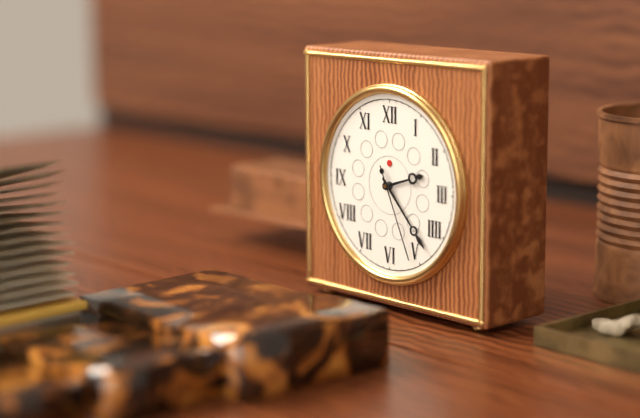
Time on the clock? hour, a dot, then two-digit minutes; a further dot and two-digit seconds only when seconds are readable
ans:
2.23.26
